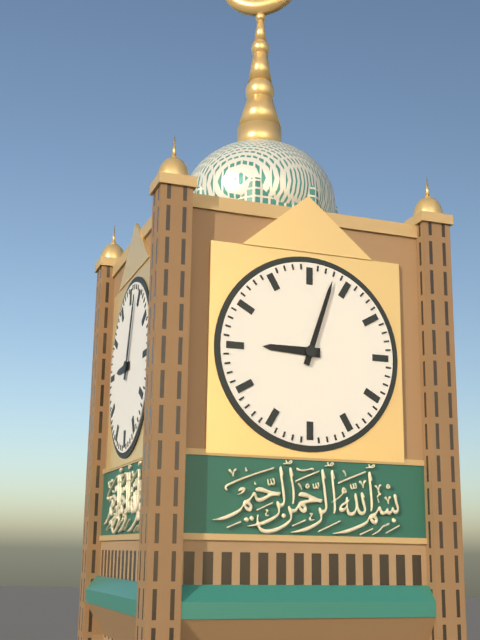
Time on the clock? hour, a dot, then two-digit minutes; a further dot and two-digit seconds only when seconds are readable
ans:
9.03
